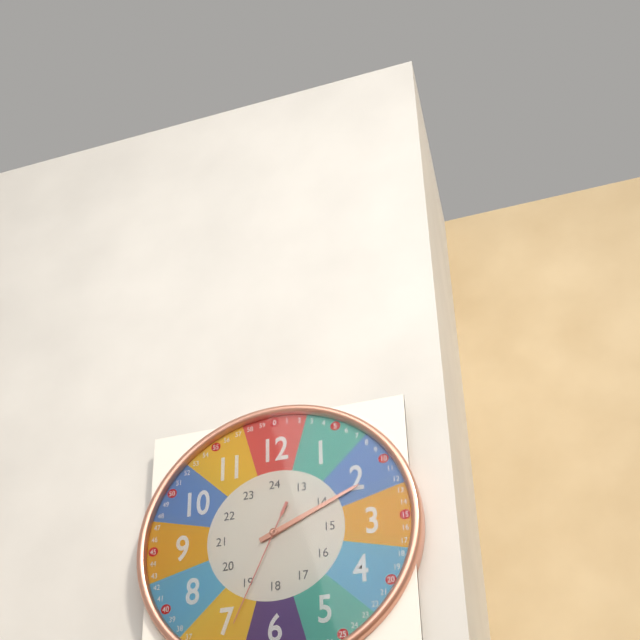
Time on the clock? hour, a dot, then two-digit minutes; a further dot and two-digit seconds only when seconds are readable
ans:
2.11.34
